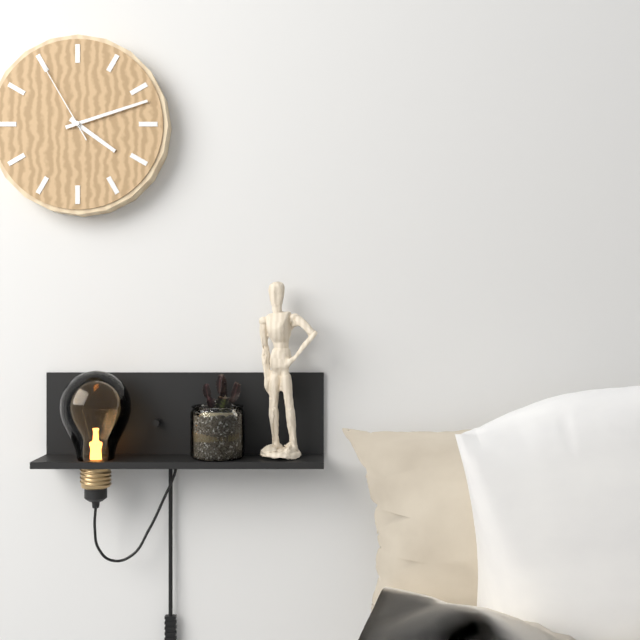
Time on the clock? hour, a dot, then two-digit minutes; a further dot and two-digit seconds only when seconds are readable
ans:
4.12.55
